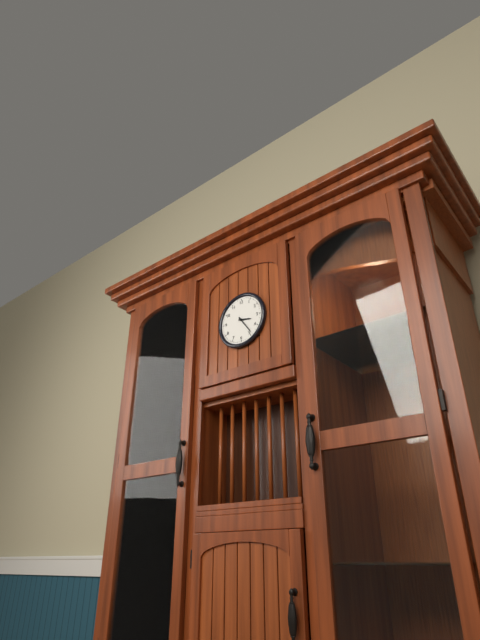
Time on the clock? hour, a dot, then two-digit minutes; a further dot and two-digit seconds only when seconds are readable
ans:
3.24
